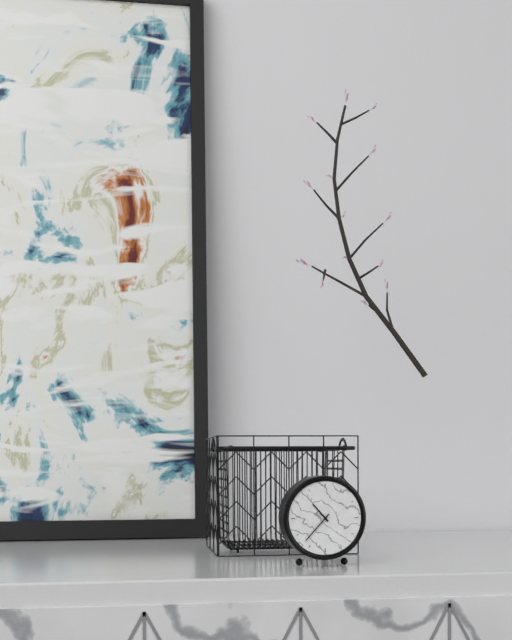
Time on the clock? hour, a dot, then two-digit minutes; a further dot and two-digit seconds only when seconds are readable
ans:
10.37
